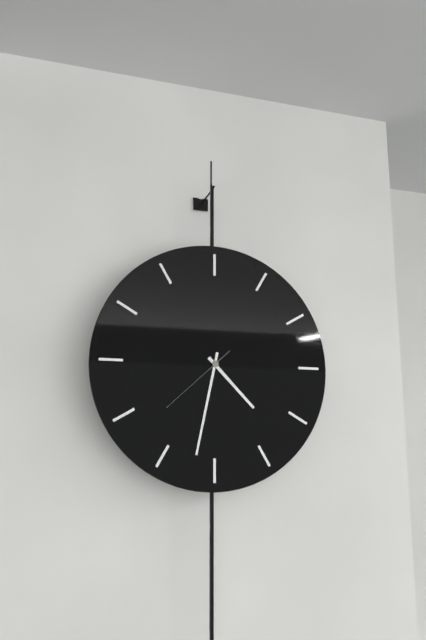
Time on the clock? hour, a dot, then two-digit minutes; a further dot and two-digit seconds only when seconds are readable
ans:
4.32.38
